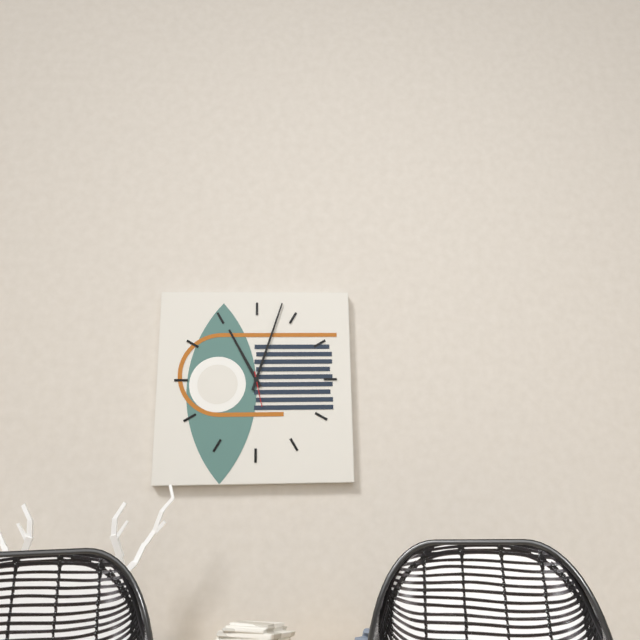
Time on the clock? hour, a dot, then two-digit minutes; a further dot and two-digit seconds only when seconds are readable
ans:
11.03
